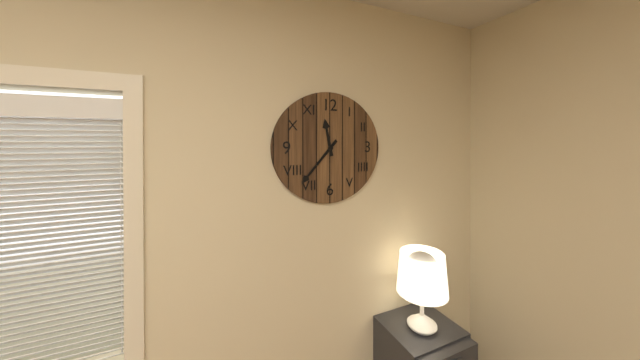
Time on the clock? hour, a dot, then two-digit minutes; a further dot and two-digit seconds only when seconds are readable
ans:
11.37
